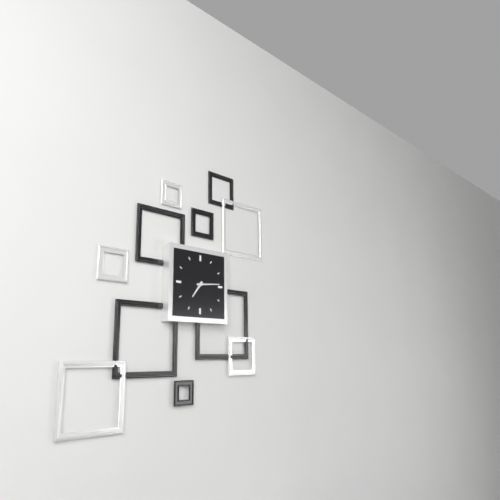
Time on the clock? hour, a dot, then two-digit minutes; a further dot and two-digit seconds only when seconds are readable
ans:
7.14
